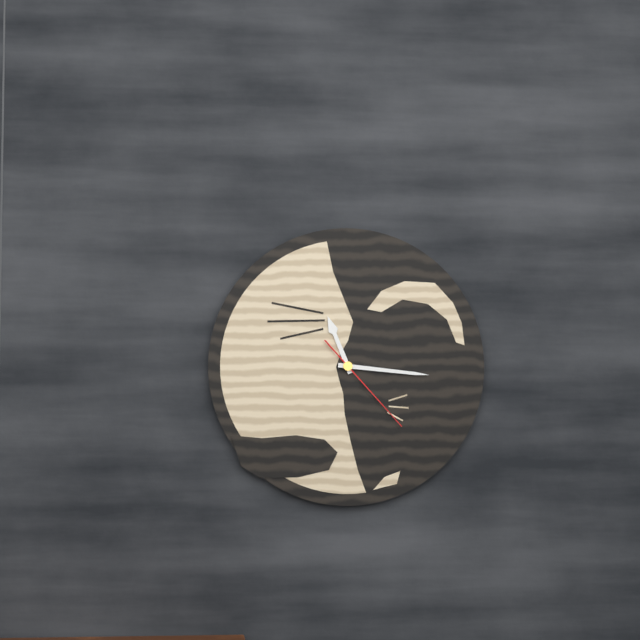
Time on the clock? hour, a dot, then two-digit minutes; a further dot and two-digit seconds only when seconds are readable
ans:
11.16.23
